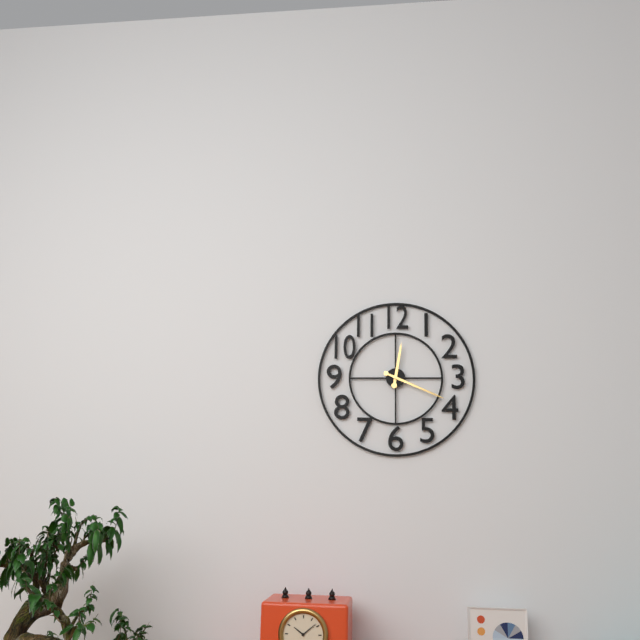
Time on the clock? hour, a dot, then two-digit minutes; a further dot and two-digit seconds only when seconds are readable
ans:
12.19
